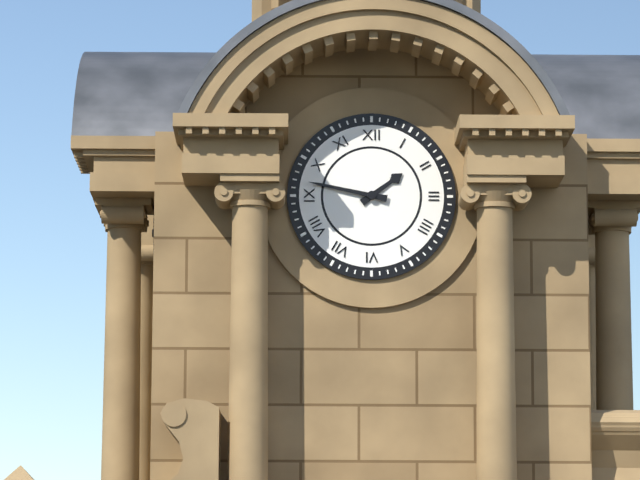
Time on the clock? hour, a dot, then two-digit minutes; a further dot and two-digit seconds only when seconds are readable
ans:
1.47
